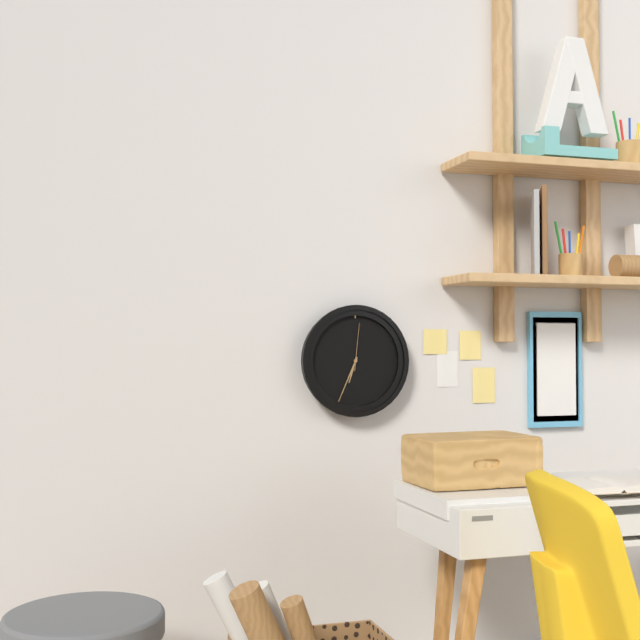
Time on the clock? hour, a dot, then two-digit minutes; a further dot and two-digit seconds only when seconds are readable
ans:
6.34
